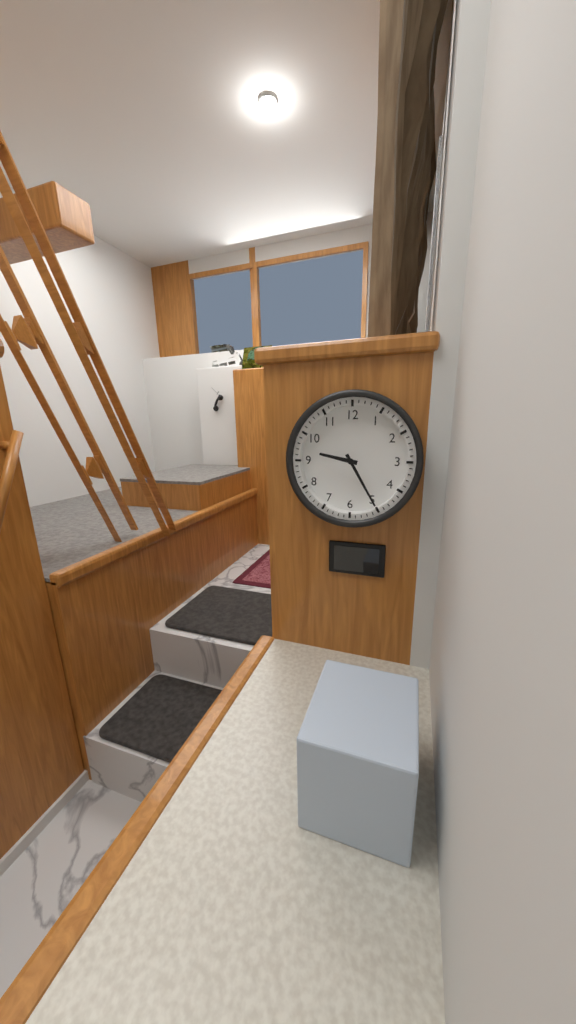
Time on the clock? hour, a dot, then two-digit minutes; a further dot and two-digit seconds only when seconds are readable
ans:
9.25
